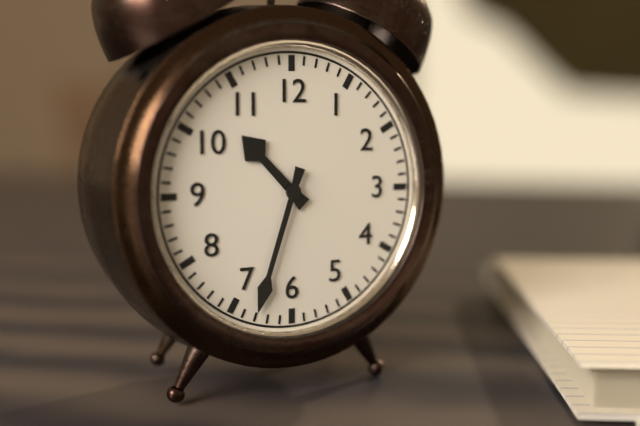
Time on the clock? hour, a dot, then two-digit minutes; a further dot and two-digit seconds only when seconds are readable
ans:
10.33
